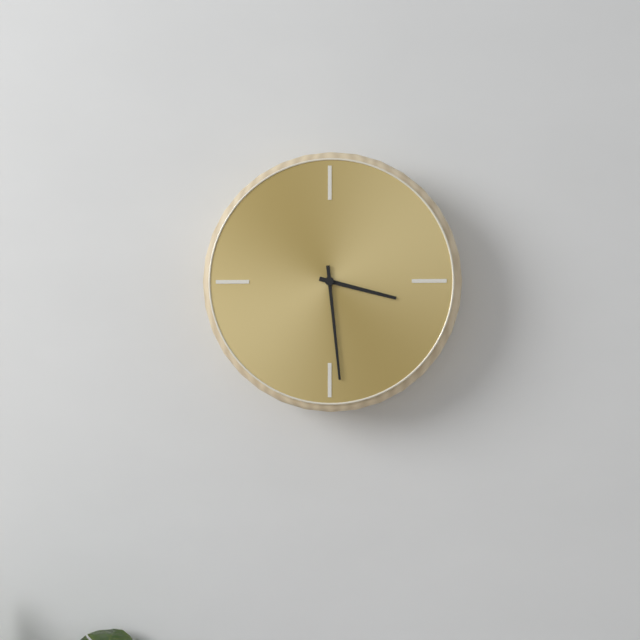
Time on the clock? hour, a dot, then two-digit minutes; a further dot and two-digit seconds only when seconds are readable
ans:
3.29
